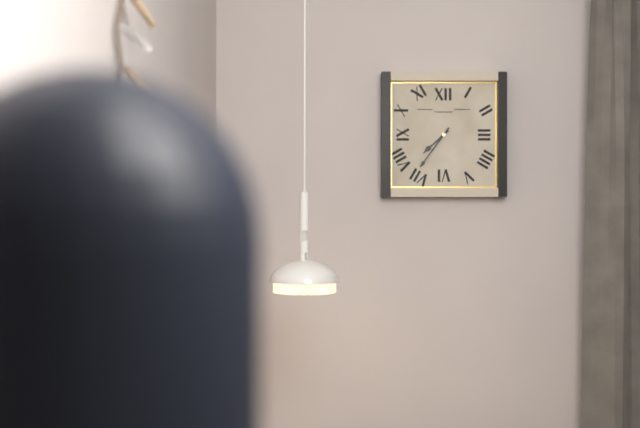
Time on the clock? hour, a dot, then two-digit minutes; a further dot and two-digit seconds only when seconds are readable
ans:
7.36
